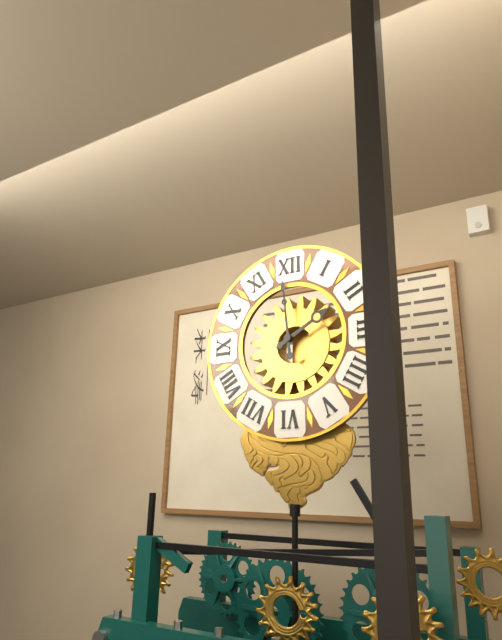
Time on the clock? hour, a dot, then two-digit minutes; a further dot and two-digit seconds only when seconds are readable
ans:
1.59
